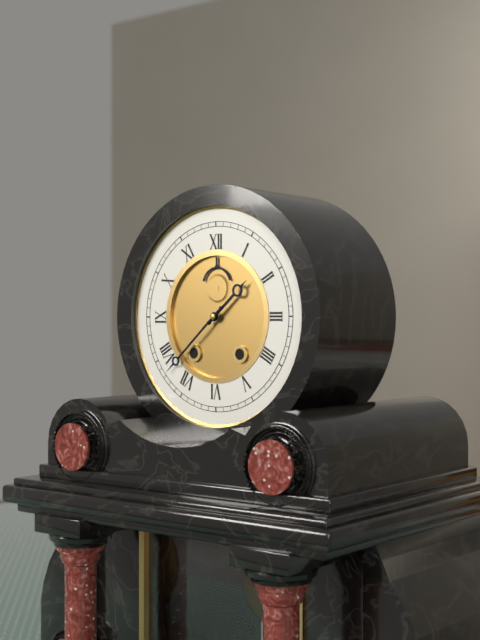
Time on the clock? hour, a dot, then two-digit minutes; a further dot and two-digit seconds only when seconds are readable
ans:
1.38
